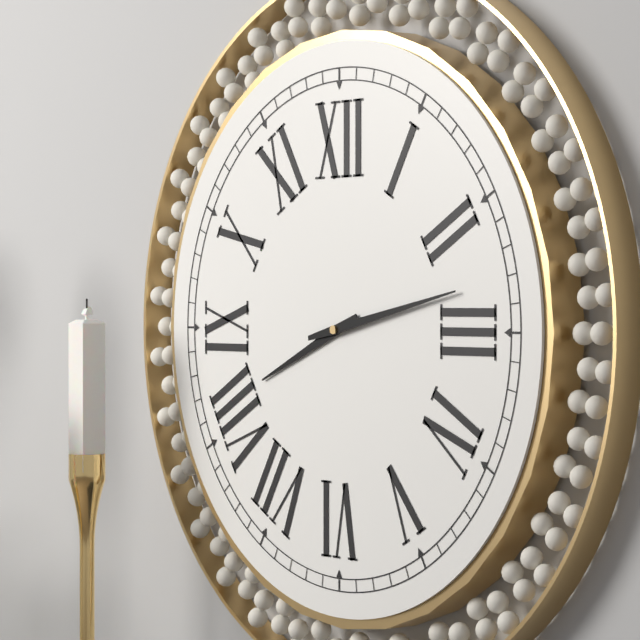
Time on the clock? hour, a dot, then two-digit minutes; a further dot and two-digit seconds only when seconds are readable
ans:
8.13
